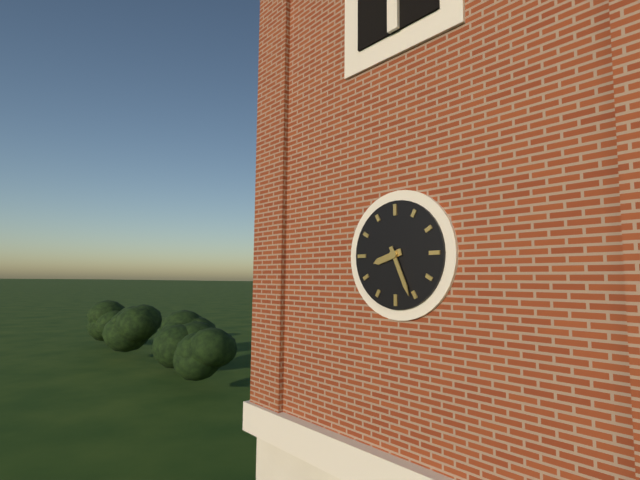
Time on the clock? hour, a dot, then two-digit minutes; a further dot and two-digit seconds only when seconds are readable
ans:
8.26
